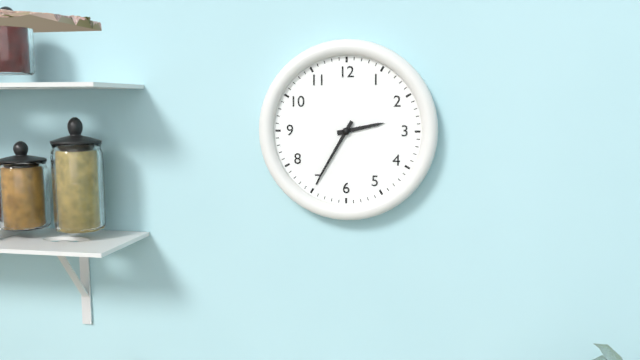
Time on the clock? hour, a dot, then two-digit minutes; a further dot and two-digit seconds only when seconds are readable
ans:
2.35
